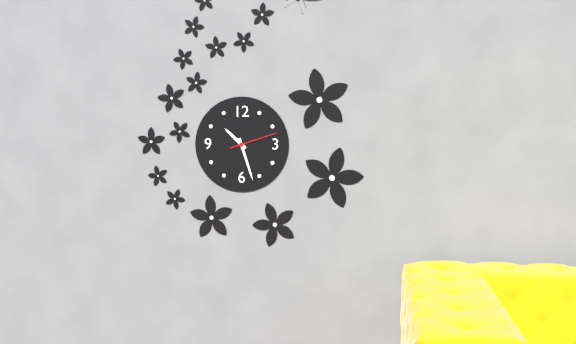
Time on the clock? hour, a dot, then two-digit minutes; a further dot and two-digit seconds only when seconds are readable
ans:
10.27.12
